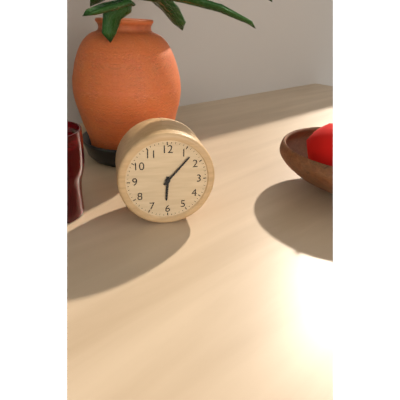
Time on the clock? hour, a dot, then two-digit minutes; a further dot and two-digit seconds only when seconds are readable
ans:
6.07
